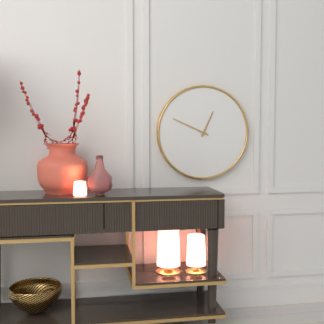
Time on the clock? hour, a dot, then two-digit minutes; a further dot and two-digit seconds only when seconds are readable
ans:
12.49
